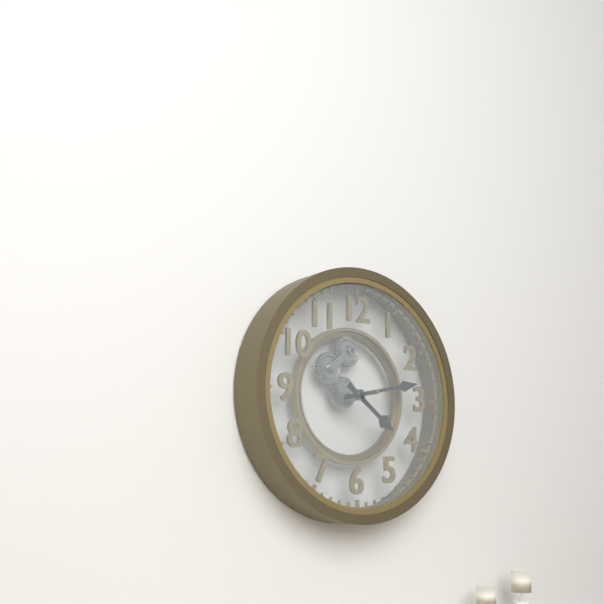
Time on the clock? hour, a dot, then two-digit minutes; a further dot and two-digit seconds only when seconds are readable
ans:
4.13
